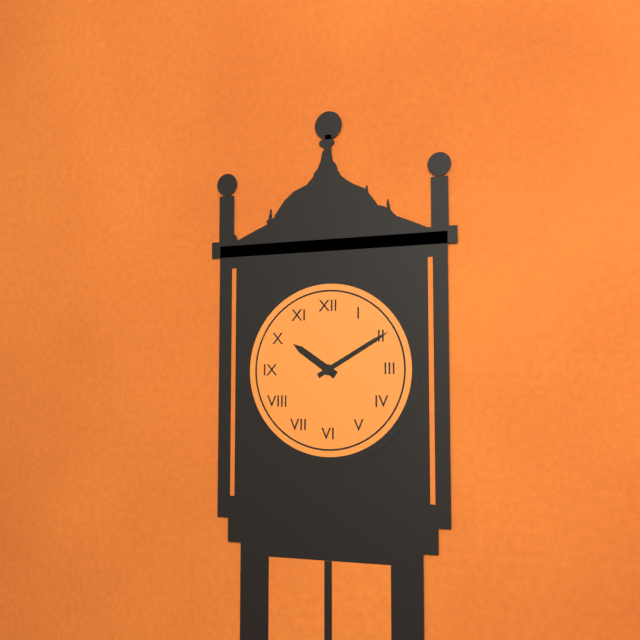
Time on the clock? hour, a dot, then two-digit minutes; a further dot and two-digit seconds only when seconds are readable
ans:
10.10
